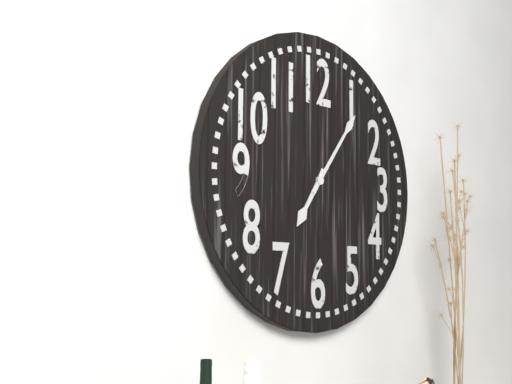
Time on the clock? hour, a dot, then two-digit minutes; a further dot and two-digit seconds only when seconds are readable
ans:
7.06
